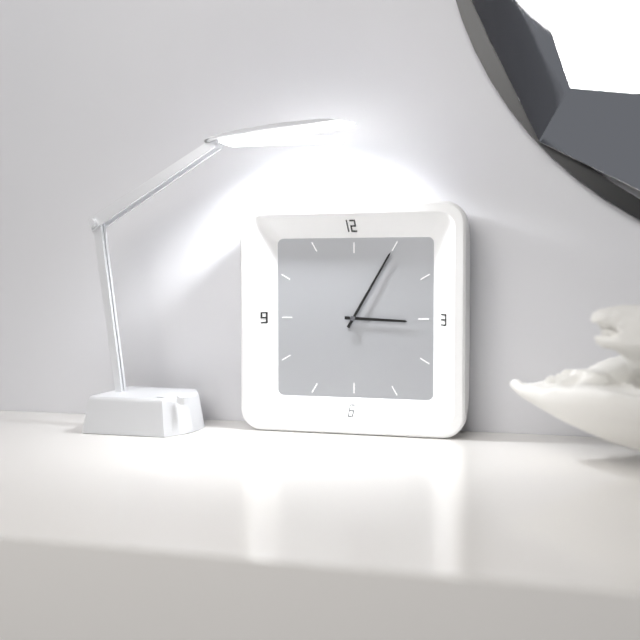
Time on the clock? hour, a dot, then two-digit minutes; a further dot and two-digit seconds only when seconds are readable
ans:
3.05
